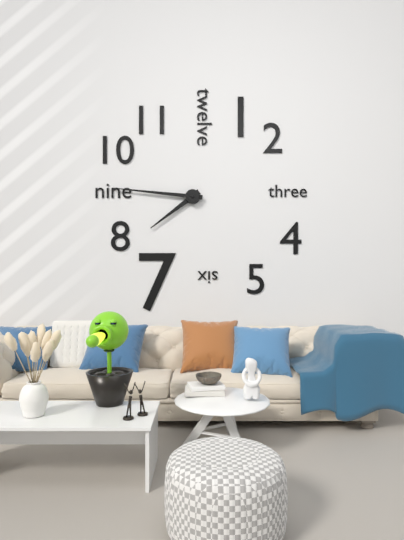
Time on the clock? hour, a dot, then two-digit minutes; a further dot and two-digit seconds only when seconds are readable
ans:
7.46
